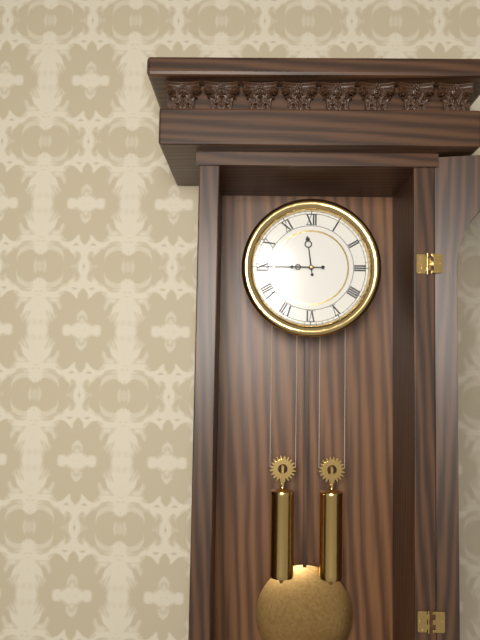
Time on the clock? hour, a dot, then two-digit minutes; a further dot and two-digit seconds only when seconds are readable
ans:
11.45
